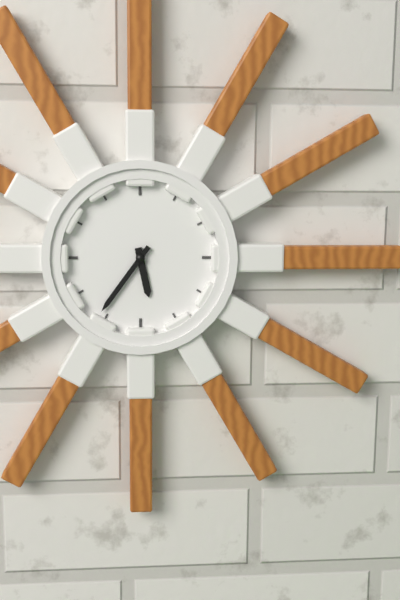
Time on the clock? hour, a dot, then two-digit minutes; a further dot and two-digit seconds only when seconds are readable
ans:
5.36
